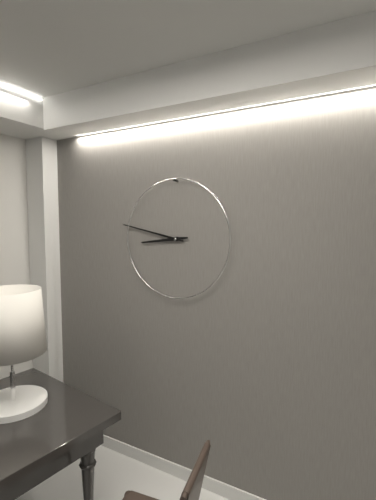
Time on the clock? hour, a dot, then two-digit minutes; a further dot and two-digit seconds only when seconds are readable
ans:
8.47
